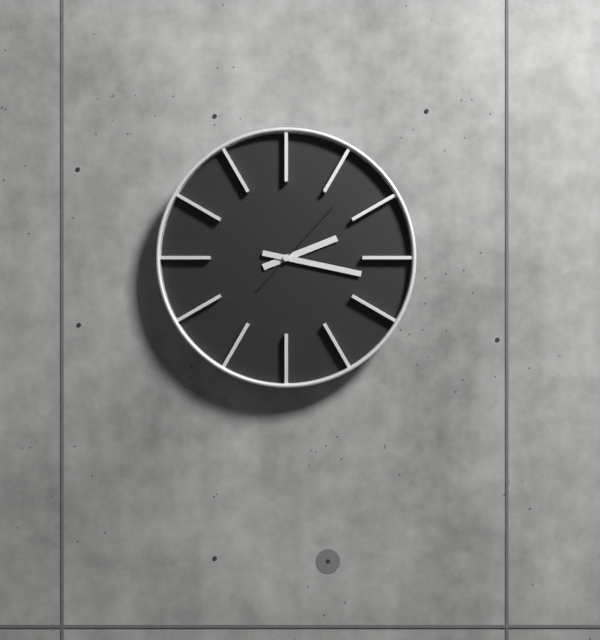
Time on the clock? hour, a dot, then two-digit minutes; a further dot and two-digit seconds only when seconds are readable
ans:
2.17.07
